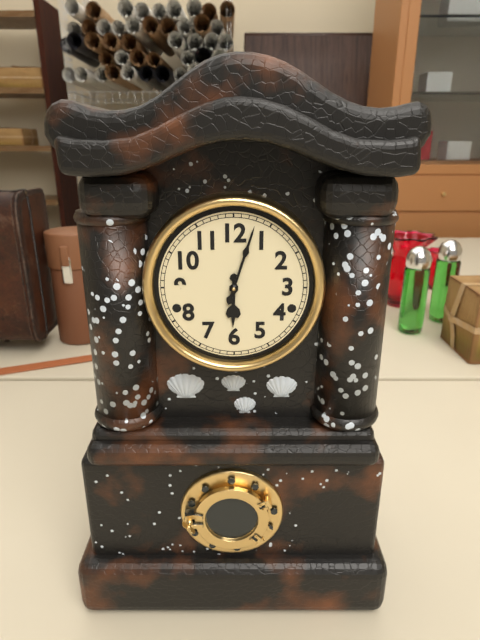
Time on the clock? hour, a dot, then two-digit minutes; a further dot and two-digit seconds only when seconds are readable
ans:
6.03
